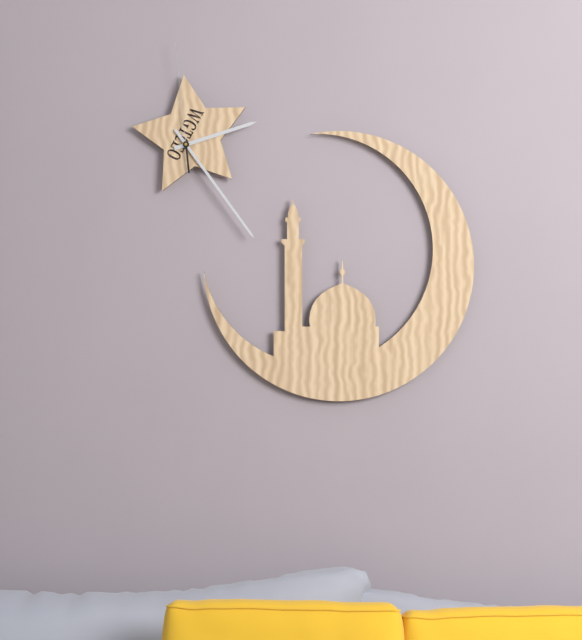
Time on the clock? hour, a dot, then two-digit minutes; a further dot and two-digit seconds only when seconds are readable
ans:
2.24.59
